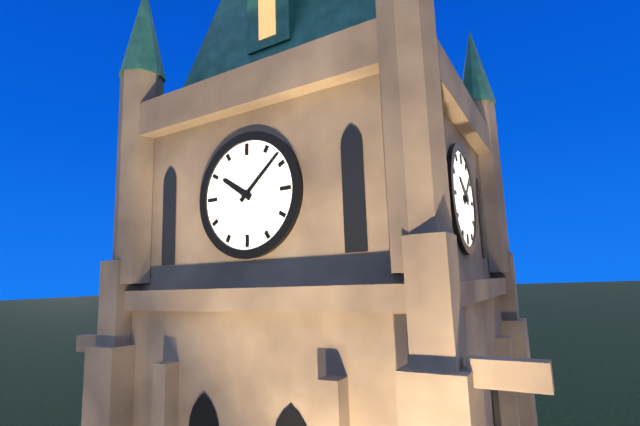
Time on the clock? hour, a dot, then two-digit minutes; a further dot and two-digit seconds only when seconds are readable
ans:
10.08
